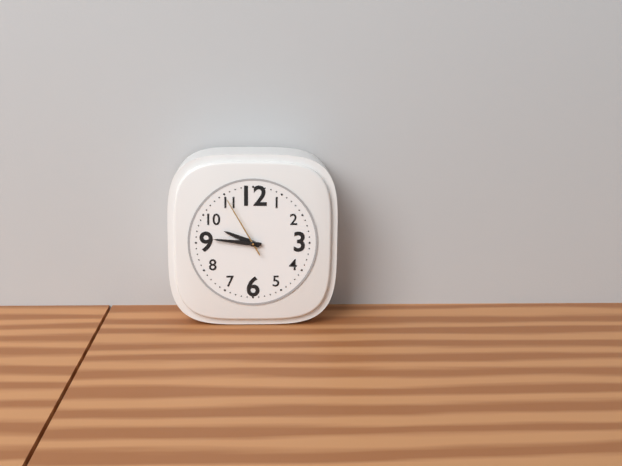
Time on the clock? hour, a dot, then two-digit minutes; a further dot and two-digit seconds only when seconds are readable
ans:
9.46.55
